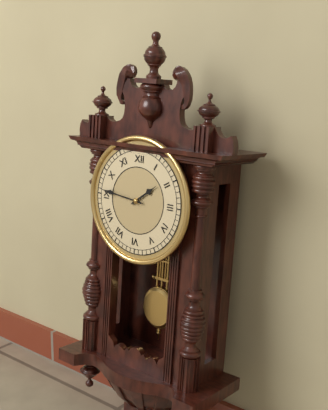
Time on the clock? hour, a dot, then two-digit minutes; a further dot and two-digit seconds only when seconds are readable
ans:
1.46
